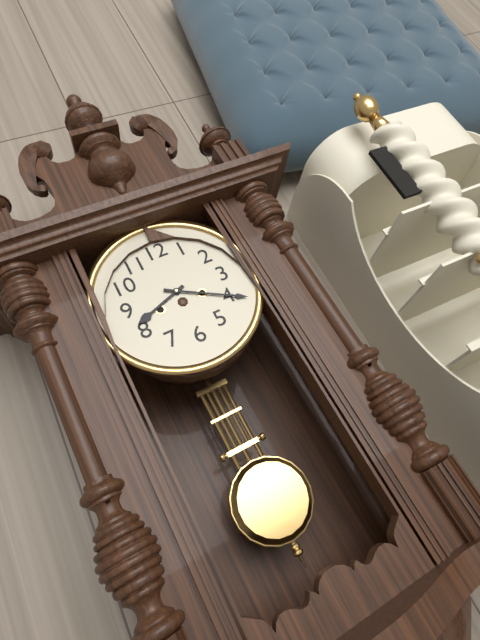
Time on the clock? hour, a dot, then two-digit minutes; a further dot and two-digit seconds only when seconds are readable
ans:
8.20
